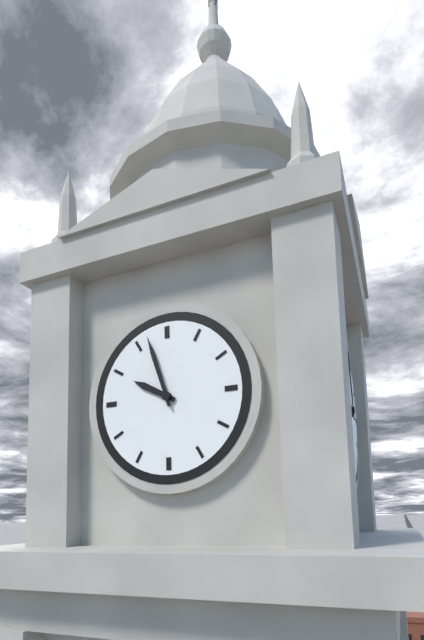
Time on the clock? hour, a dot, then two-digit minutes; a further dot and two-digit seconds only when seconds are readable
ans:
9.57
